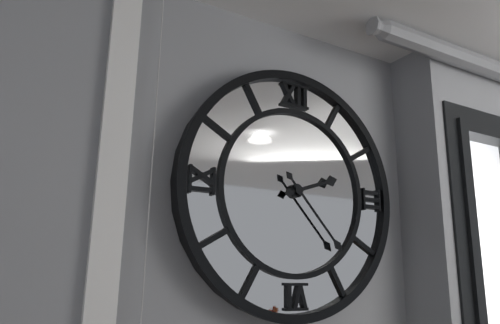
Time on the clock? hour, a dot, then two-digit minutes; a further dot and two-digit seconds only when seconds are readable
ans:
2.23
